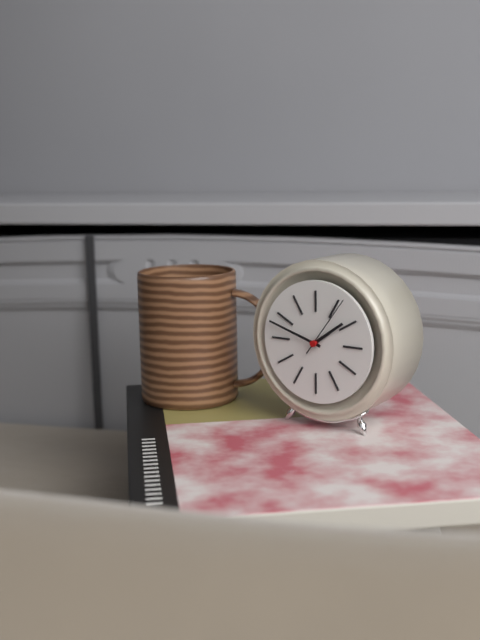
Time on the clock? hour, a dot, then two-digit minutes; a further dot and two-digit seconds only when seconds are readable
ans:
1.48.06
